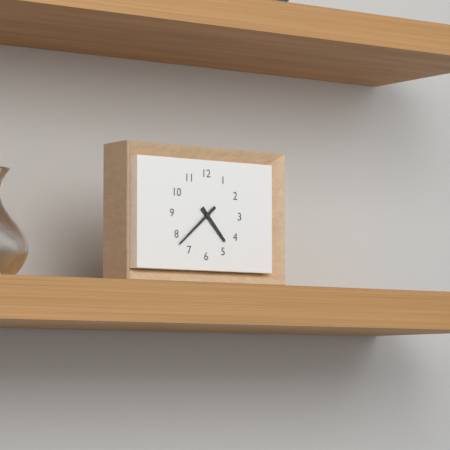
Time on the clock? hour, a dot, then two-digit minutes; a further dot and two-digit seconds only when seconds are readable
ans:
4.38
